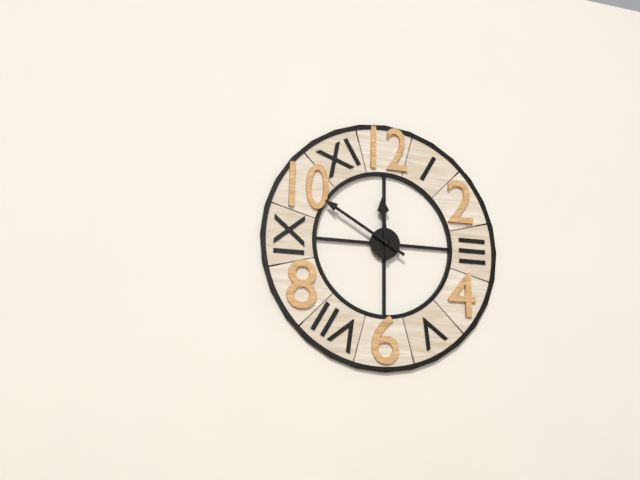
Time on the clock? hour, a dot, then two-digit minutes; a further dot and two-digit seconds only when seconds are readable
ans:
11.50
